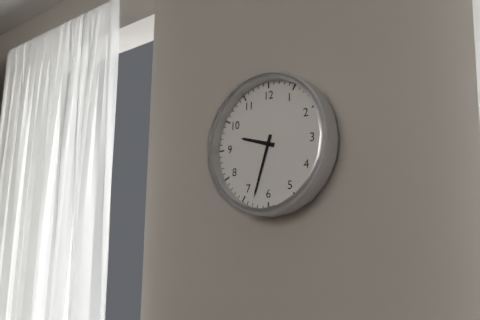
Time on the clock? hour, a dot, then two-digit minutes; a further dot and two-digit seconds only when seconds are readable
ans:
9.33
